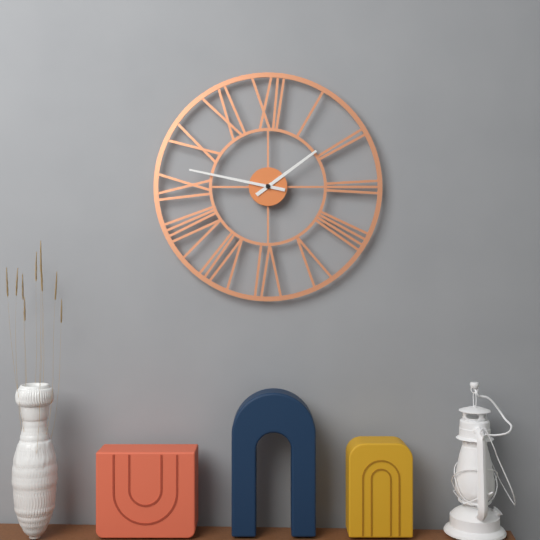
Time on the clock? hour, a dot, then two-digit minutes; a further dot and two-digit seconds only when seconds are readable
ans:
1.47
